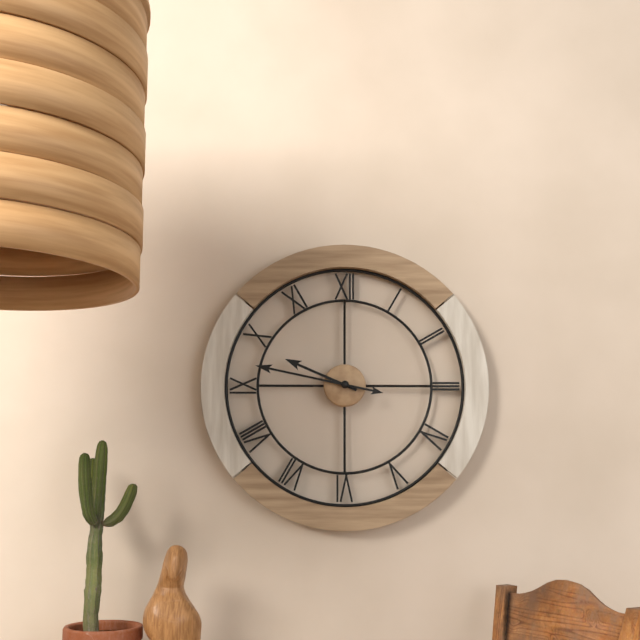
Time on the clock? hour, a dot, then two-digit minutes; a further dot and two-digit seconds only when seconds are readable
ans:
9.47
